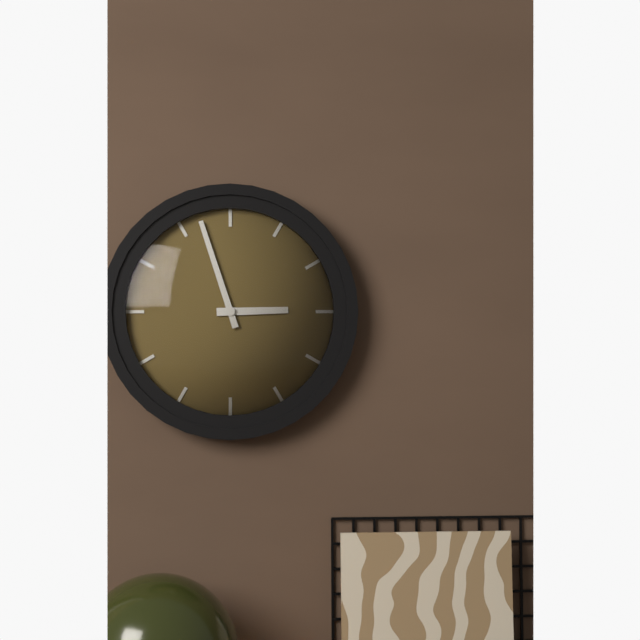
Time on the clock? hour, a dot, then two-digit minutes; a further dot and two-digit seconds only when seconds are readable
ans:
2.57
